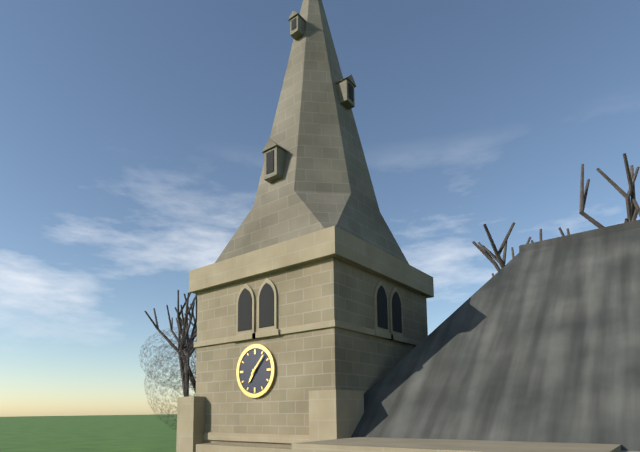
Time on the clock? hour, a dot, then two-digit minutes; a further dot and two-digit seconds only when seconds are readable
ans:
7.07
